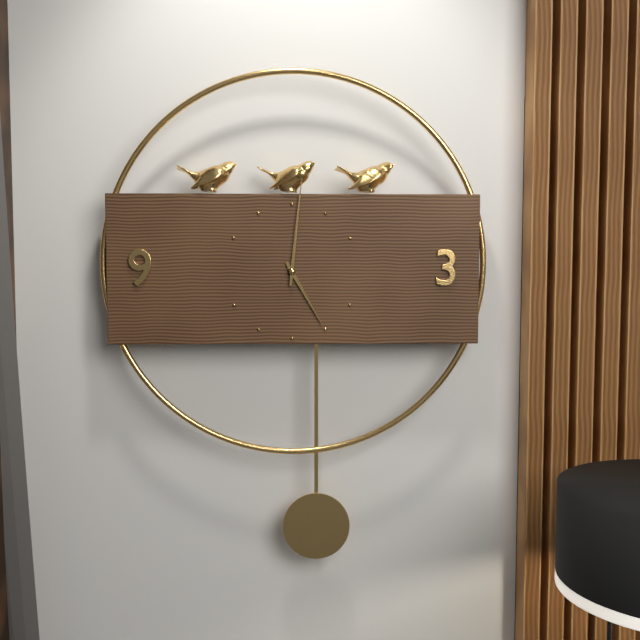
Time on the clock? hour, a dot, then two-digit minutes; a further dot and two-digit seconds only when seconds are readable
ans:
5.01
